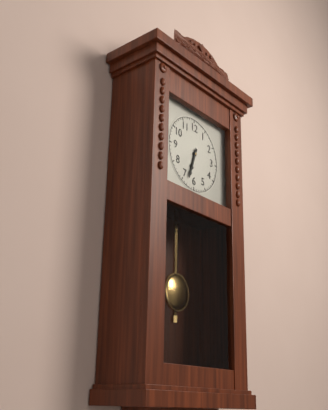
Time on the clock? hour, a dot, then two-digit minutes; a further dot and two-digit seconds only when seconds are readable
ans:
6.33
